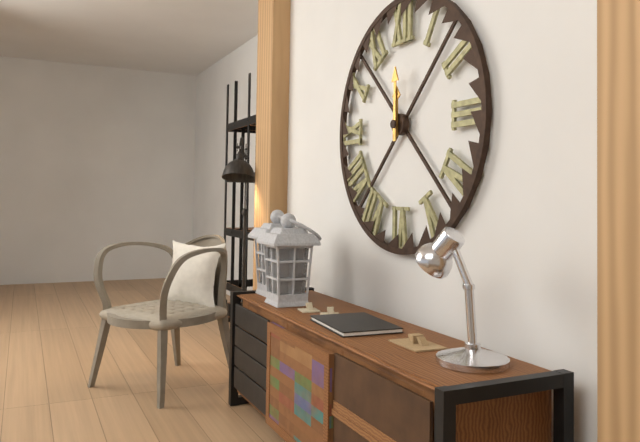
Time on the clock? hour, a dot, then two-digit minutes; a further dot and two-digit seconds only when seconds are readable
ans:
12.00
